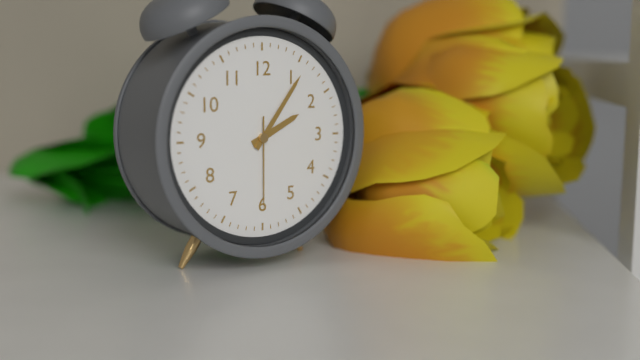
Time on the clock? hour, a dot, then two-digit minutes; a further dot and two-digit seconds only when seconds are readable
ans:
2.06.30
